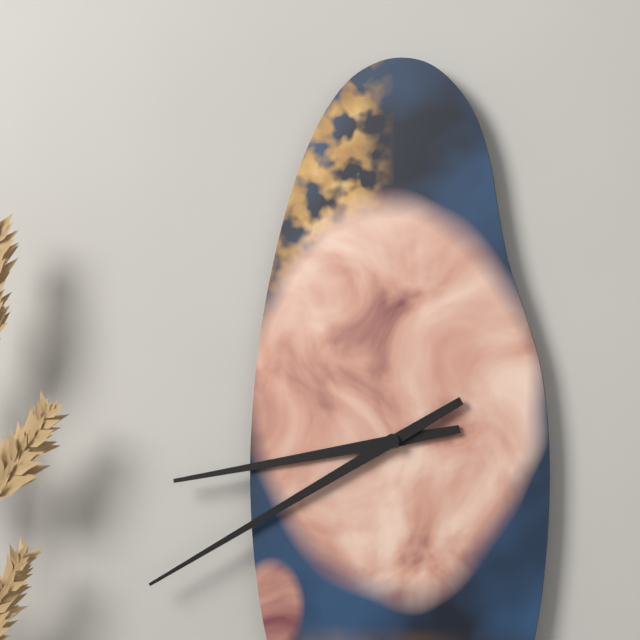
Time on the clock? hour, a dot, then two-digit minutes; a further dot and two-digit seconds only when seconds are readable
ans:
8.40
